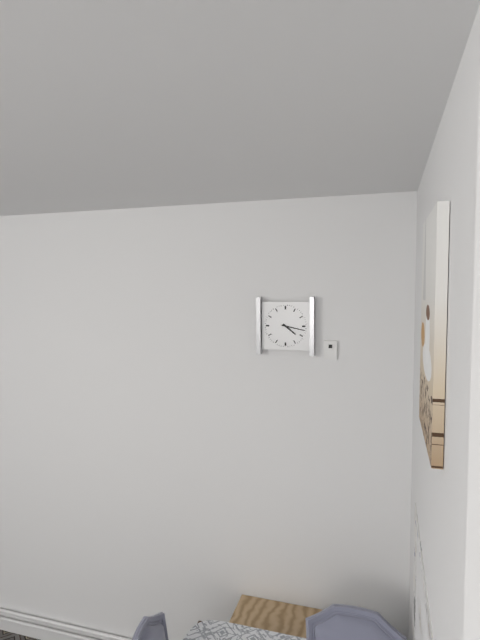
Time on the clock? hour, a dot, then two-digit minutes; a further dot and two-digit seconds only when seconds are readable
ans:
4.17
